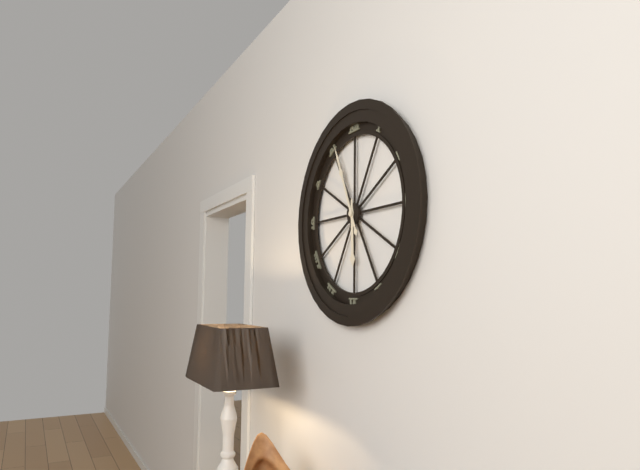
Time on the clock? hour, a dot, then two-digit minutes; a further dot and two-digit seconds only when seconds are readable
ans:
5.56
